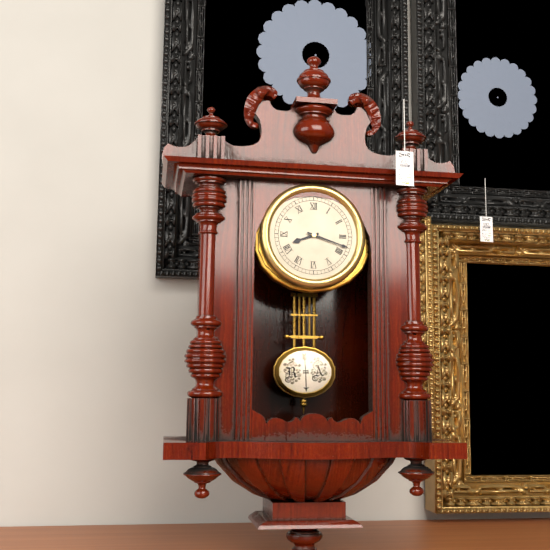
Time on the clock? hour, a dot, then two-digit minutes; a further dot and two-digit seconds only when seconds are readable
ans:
8.18
